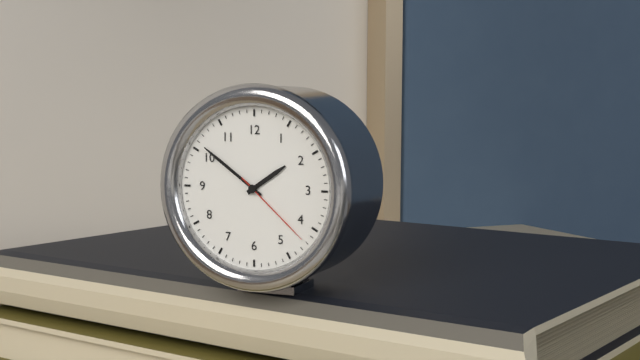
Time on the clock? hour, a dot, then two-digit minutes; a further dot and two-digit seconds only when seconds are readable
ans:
1.51.22
